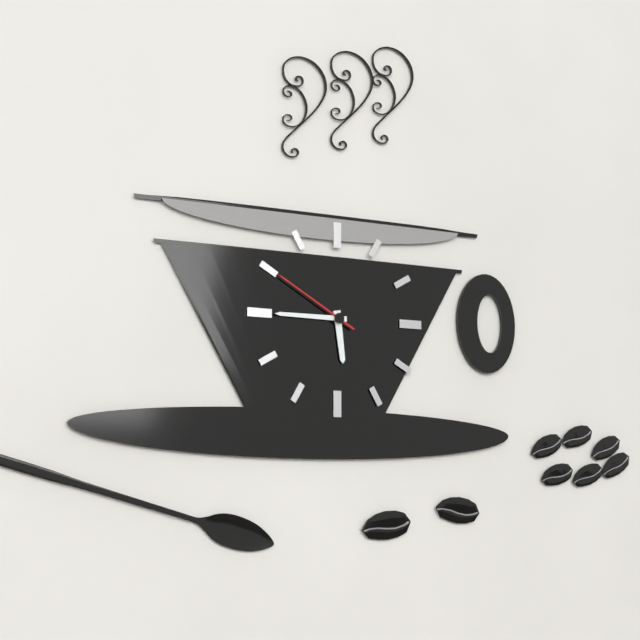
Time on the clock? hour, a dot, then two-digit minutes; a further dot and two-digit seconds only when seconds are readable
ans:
5.45.50
